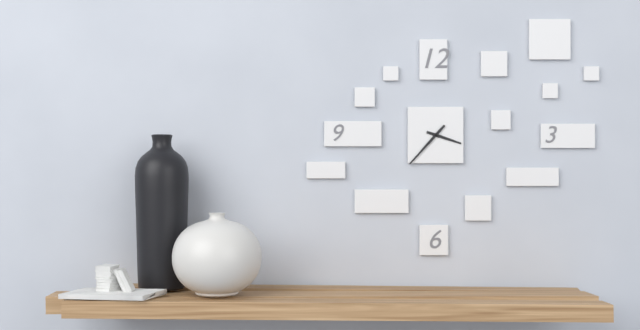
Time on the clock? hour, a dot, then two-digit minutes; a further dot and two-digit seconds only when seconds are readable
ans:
3.37
